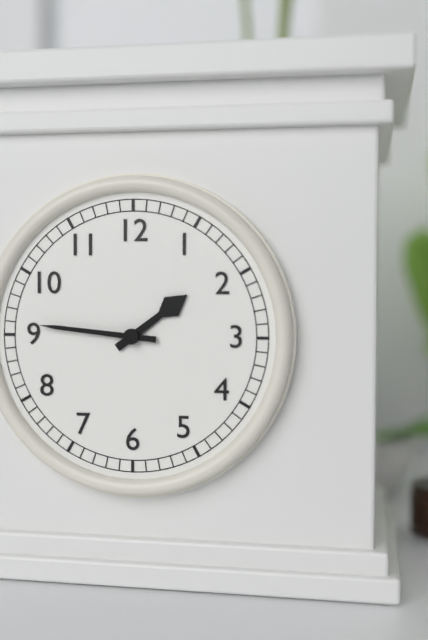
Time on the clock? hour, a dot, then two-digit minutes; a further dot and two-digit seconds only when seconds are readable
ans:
1.46
